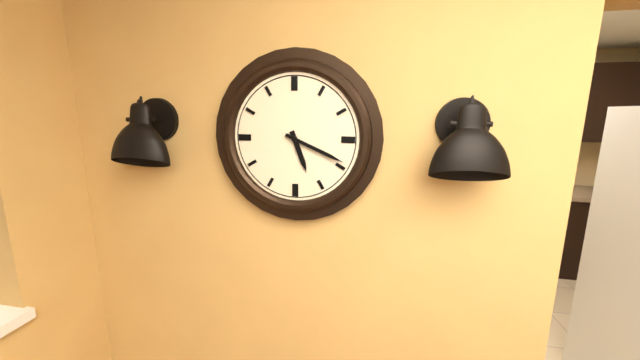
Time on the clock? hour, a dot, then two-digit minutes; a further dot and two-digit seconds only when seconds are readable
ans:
5.19
